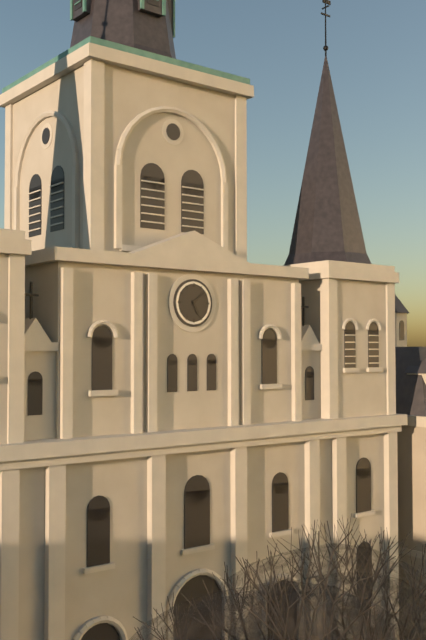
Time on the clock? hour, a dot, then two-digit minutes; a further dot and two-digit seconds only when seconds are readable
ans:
5.08
